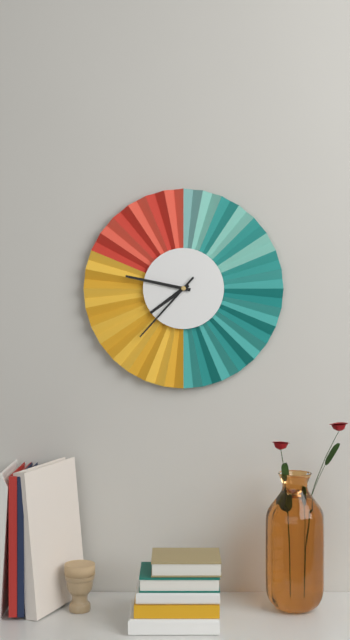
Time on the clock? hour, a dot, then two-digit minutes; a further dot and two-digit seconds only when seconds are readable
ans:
7.47.37
